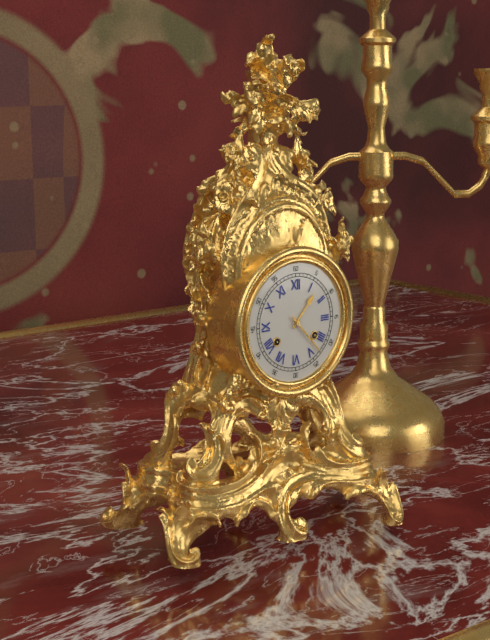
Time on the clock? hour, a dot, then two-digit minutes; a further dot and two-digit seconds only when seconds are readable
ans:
1.23
